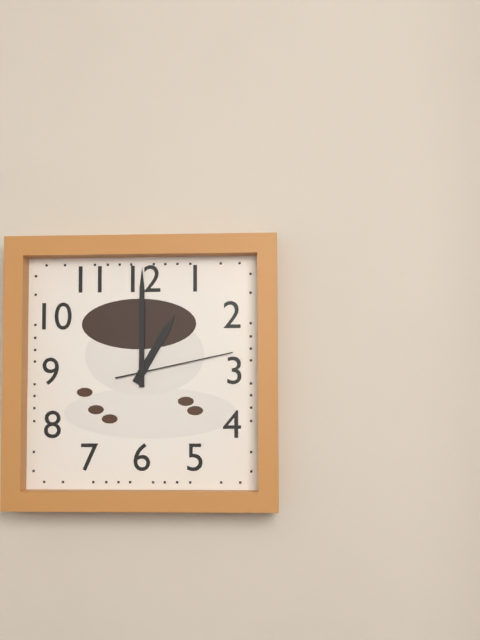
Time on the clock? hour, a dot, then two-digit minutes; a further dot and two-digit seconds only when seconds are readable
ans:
1.00.13
